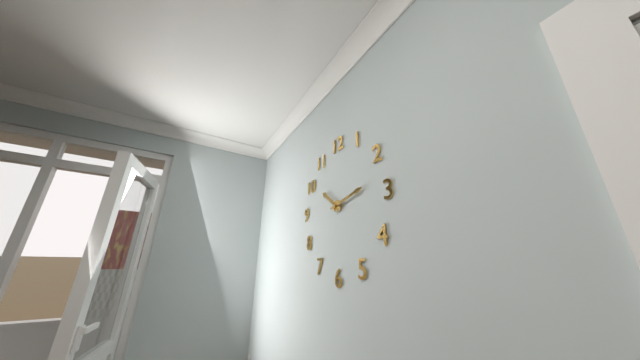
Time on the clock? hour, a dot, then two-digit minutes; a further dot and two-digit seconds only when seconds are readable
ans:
10.13
